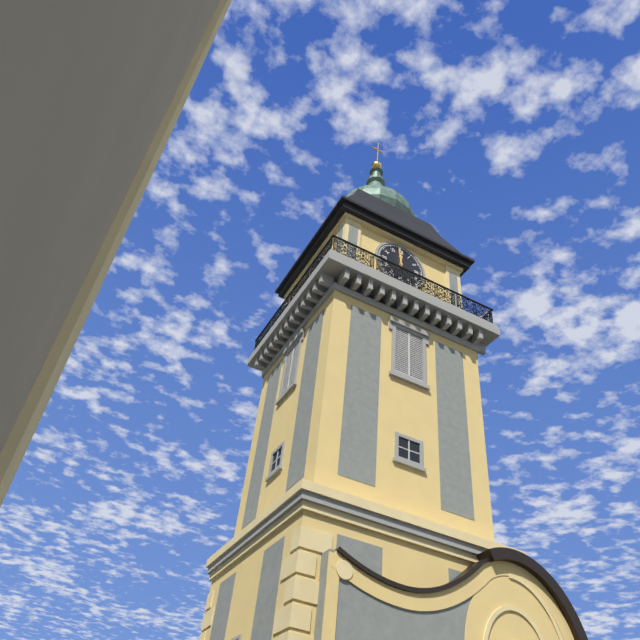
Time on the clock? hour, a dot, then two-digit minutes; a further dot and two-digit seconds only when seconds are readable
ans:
11.59
